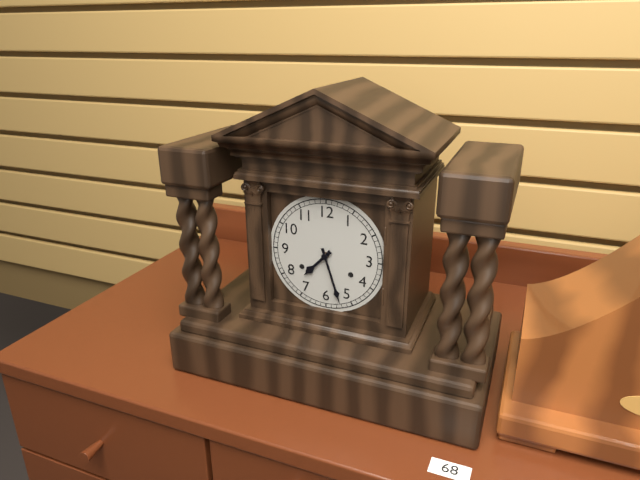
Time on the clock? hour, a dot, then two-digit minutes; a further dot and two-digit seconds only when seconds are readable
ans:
7.27
